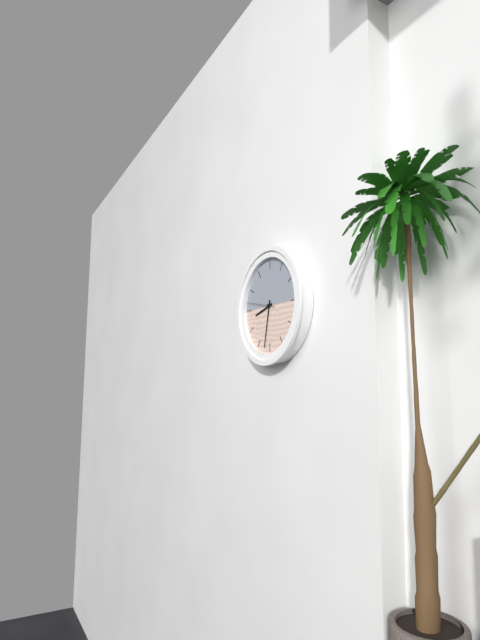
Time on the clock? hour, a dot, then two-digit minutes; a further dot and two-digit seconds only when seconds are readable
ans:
8.32
